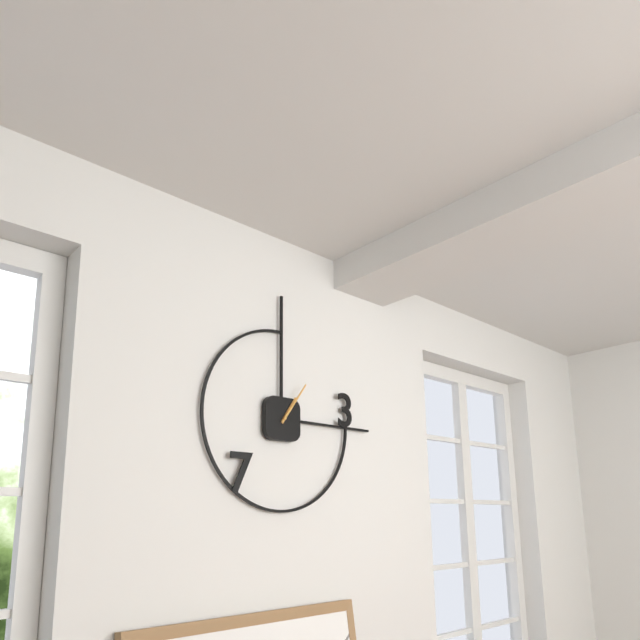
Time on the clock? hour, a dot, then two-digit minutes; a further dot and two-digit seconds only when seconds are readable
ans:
1.06
